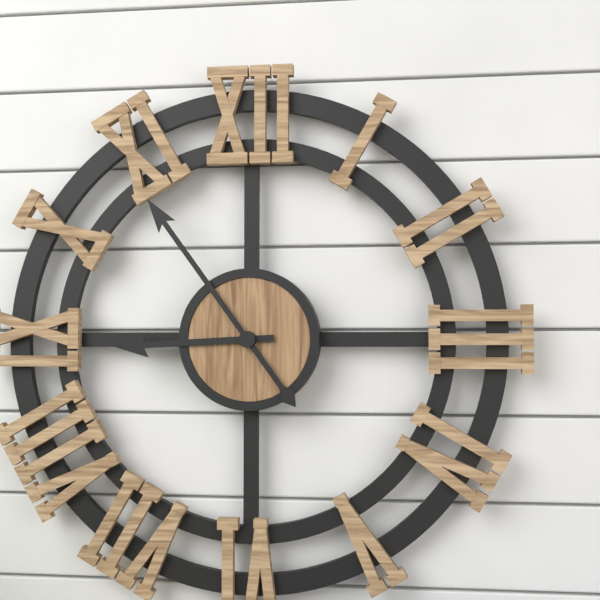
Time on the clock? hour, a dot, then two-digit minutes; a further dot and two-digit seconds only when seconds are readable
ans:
8.54
